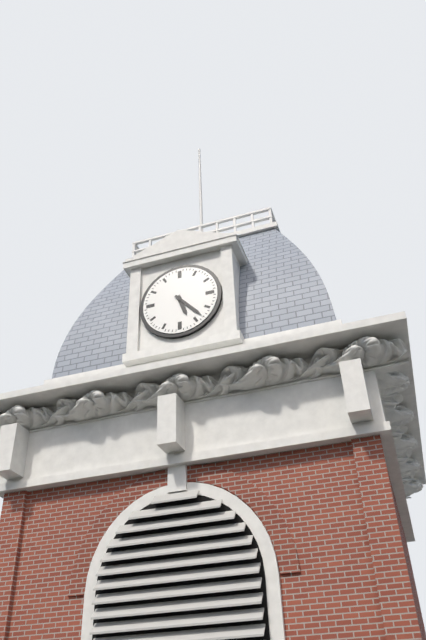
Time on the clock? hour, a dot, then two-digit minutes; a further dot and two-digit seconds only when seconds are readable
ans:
5.23
